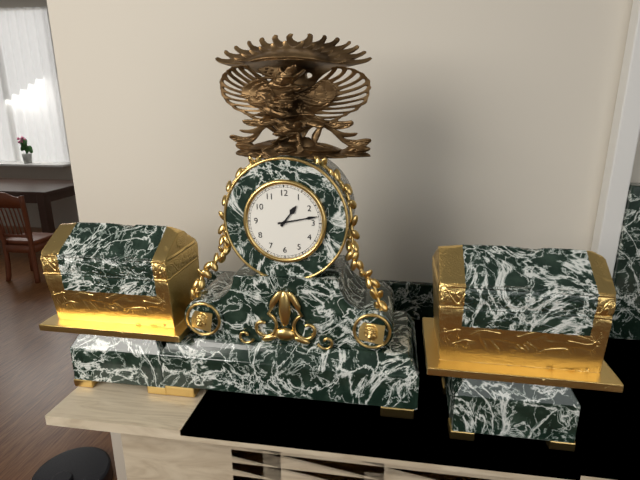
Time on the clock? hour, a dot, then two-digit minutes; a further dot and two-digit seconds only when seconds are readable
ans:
1.13
